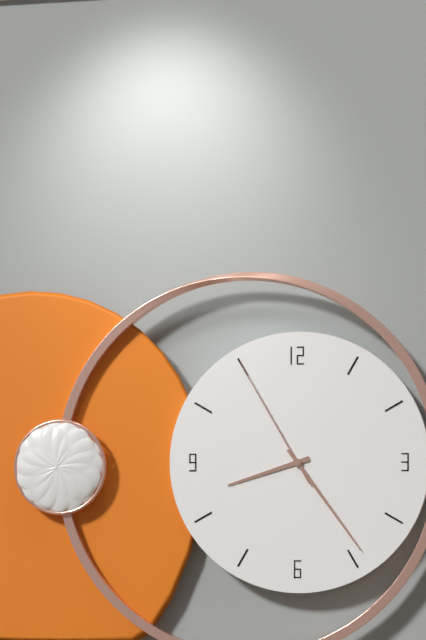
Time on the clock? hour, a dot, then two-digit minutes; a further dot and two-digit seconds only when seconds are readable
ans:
8.24.55
